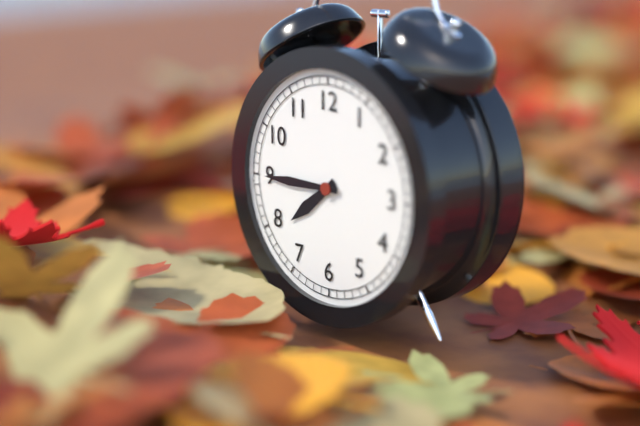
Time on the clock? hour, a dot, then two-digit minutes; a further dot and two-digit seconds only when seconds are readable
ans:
7.45
